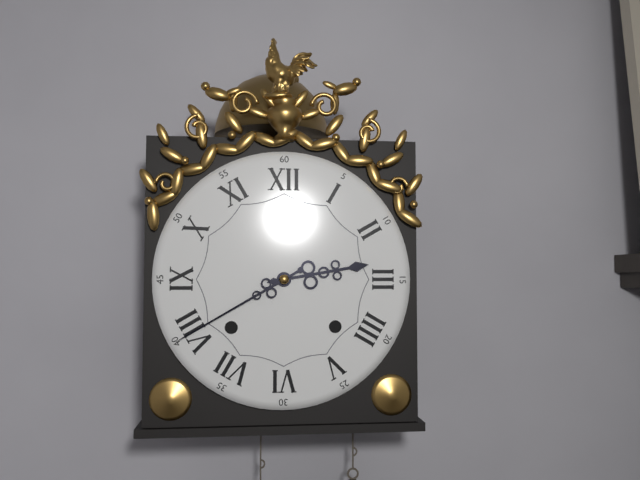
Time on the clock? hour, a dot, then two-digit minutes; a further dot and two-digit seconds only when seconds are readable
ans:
2.40
